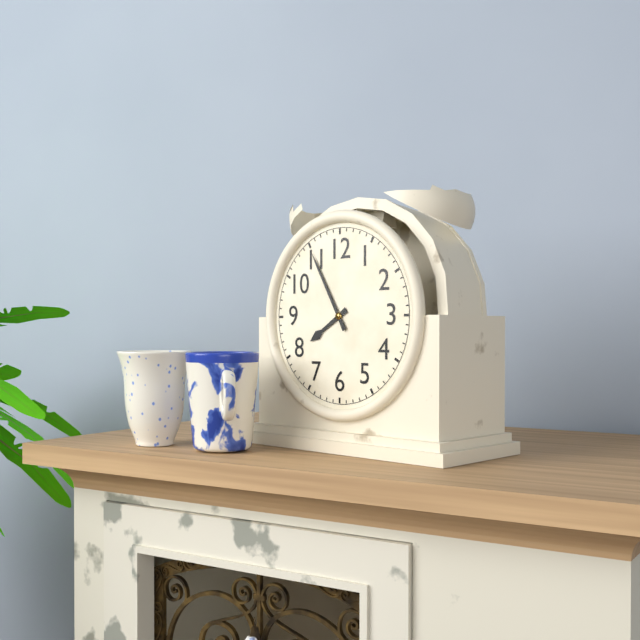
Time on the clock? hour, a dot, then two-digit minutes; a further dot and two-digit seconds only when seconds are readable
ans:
7.55
